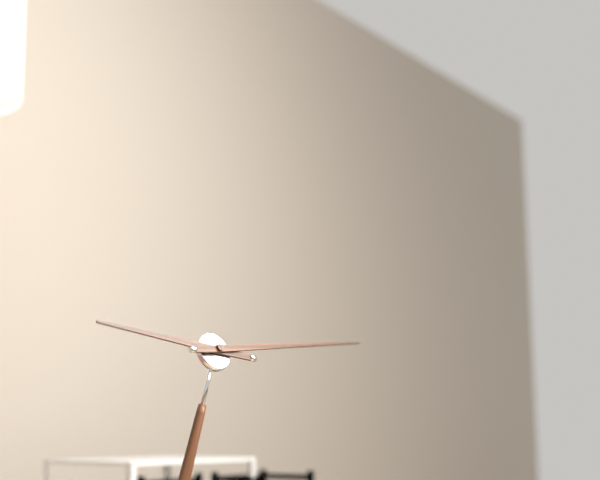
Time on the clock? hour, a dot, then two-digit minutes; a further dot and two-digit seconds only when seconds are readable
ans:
9.14
